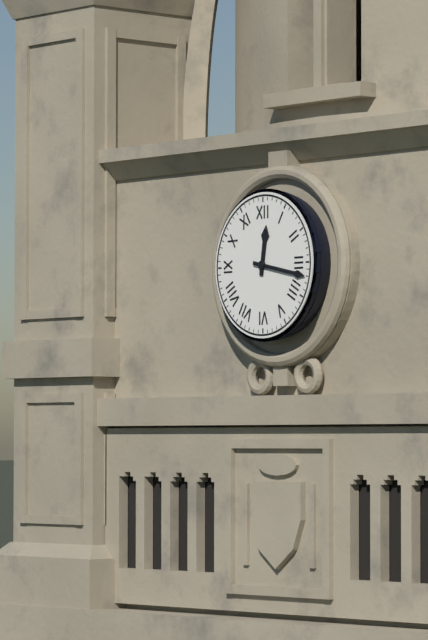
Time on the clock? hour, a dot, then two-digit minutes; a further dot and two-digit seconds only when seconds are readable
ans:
12.17
